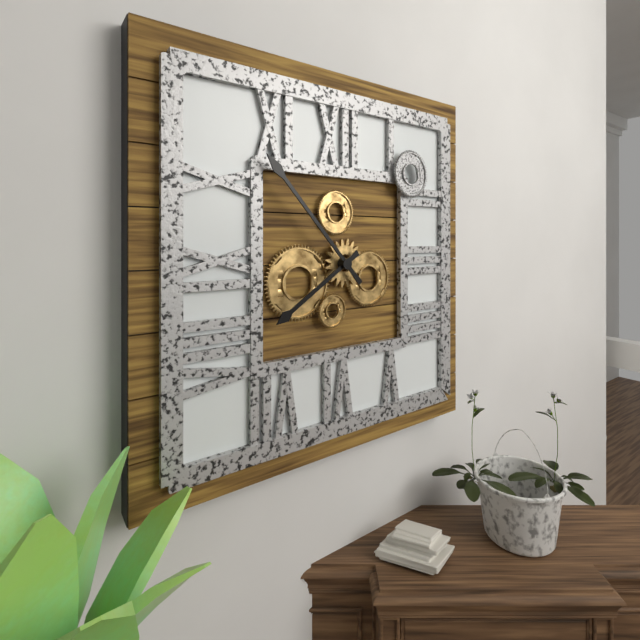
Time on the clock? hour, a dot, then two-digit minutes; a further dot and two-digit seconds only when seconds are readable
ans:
7.53
